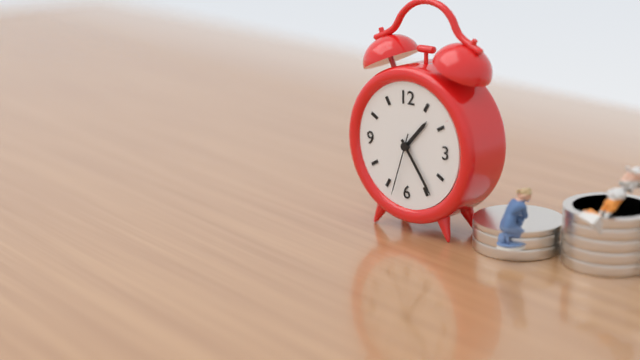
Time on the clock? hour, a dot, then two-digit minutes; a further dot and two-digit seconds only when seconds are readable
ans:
1.24.33
